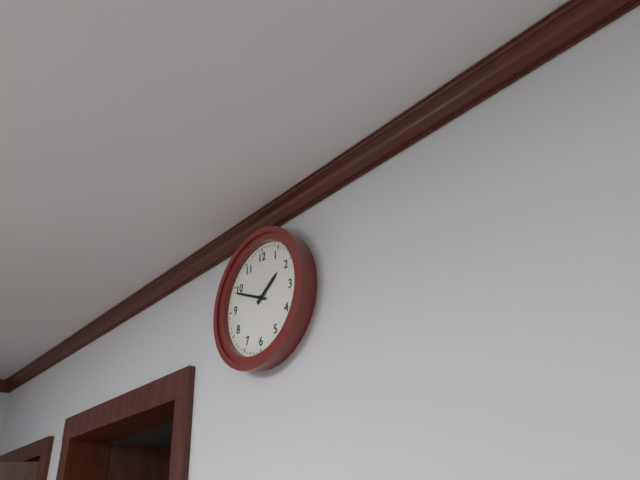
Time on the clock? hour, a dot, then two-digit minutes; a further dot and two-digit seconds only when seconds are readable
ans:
1.49
